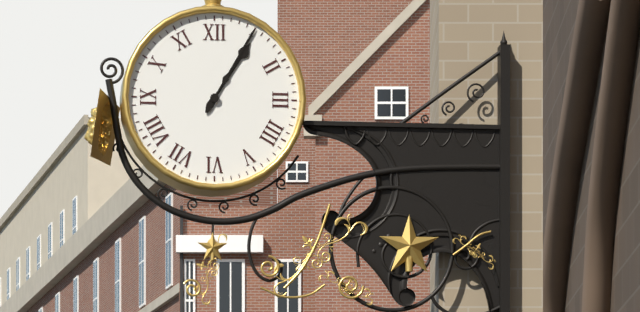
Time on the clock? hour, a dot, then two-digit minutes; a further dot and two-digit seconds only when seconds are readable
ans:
1.05
